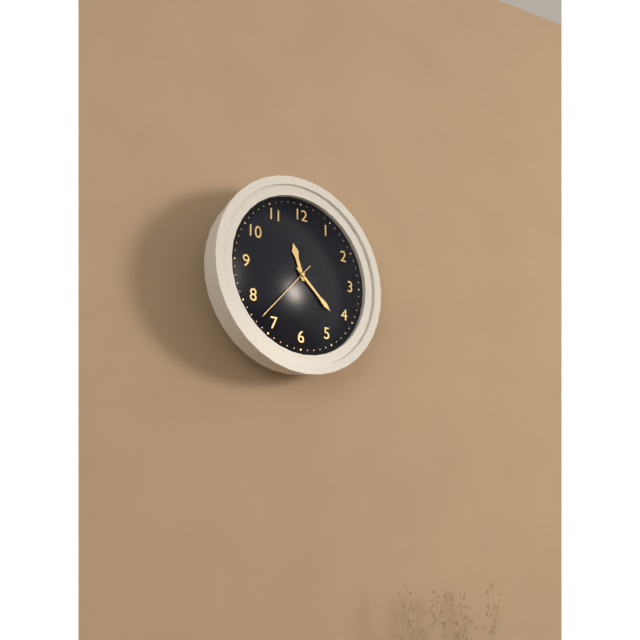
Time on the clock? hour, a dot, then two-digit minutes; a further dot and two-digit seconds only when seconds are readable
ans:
11.22.37
